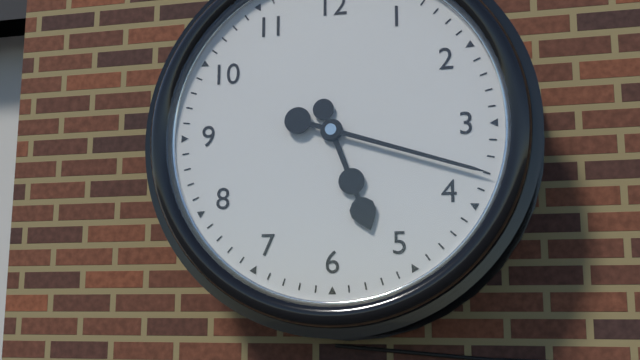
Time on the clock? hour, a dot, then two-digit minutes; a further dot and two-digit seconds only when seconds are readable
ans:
5.18
